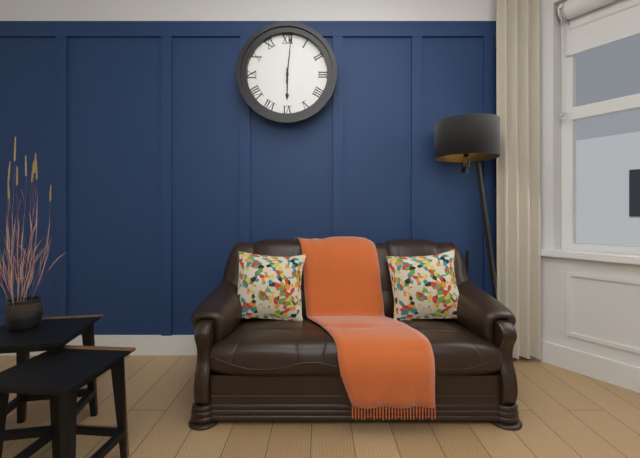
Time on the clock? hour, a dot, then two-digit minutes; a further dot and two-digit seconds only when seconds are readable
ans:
6.01
